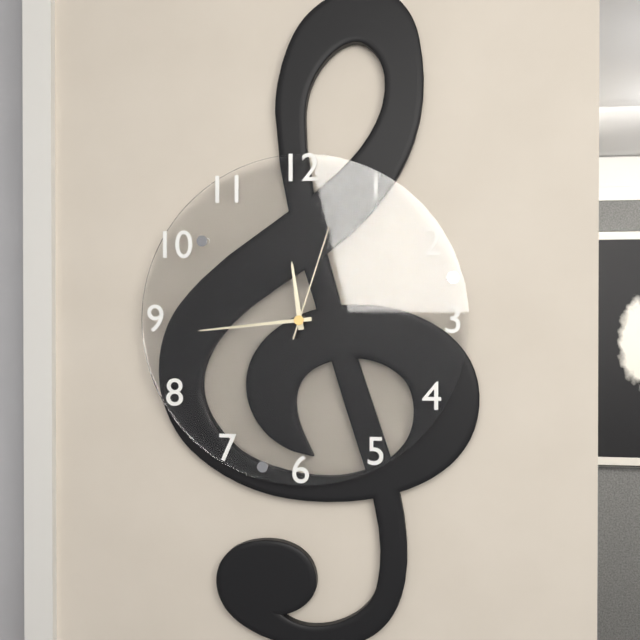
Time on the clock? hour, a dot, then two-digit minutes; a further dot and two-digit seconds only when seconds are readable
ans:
11.44.03
